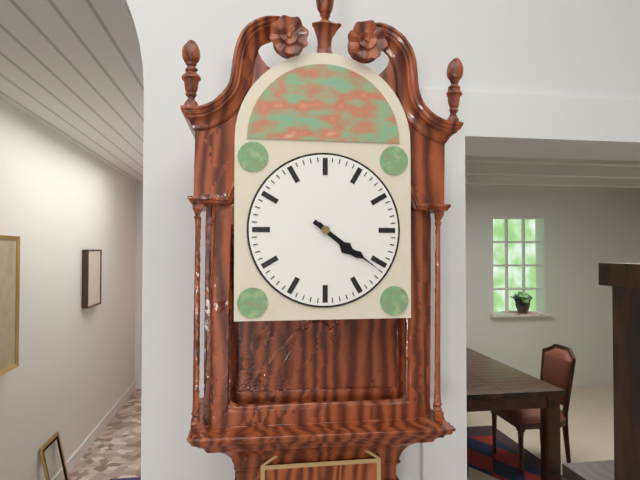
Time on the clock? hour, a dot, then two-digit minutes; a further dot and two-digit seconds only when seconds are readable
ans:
4.21
